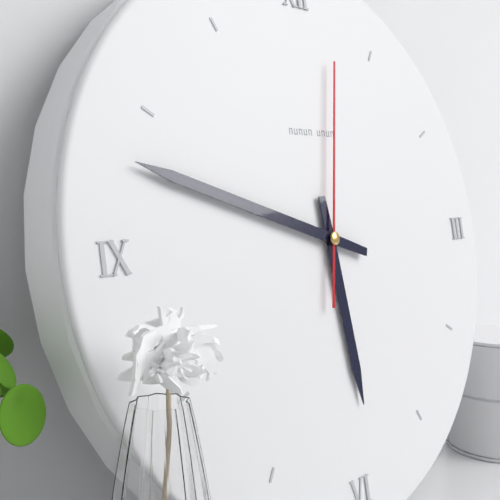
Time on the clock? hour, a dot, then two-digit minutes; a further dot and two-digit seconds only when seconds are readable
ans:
5.48.02
